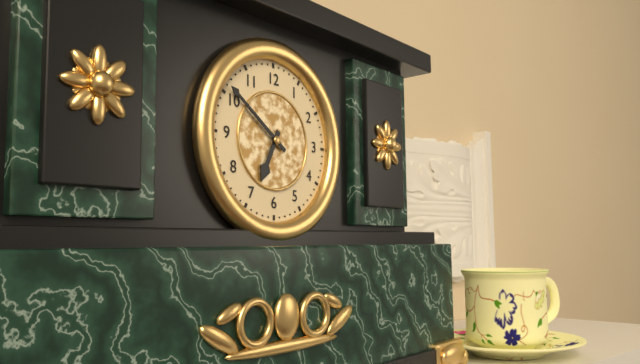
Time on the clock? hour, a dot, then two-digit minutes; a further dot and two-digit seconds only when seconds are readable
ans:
6.51
